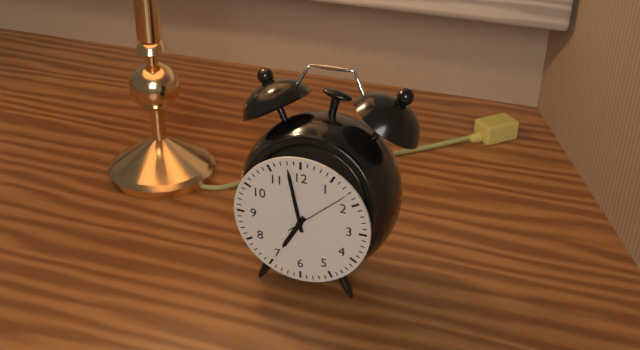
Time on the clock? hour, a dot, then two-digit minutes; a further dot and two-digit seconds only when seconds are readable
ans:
6.58.08
